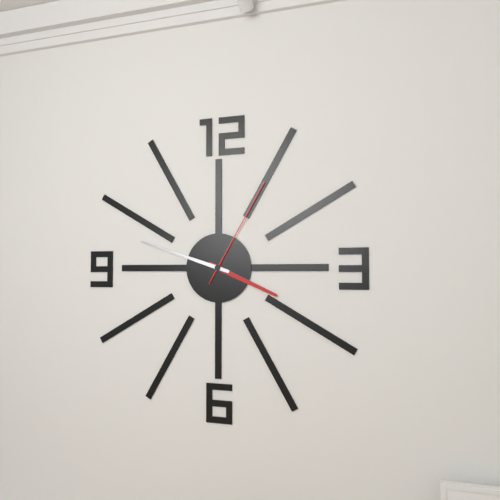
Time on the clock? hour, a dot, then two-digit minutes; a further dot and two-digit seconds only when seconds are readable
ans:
3.48.05
